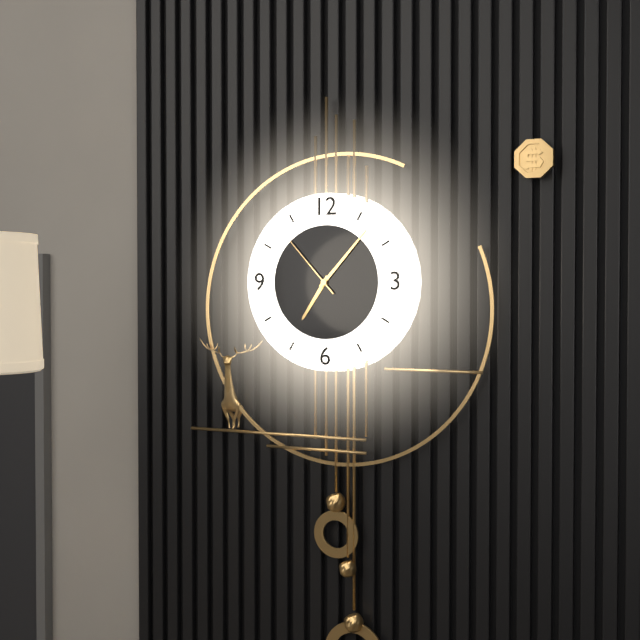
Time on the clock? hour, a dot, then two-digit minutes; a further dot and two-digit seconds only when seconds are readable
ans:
7.07.53
